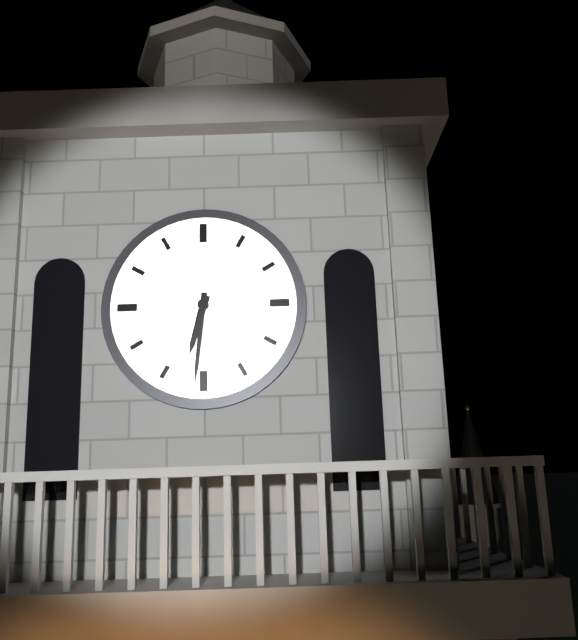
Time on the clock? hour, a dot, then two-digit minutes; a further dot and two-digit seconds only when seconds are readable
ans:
6.31
